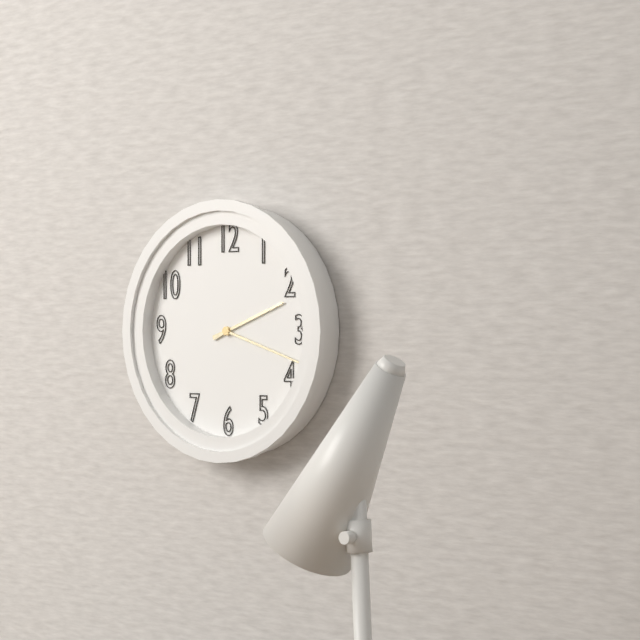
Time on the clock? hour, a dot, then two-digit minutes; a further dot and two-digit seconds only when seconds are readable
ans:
2.18
